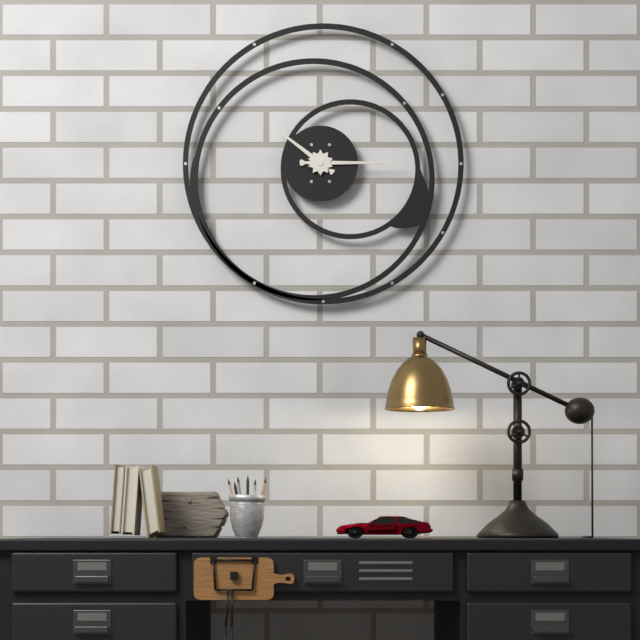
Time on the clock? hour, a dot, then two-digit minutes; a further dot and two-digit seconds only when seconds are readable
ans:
10.15
